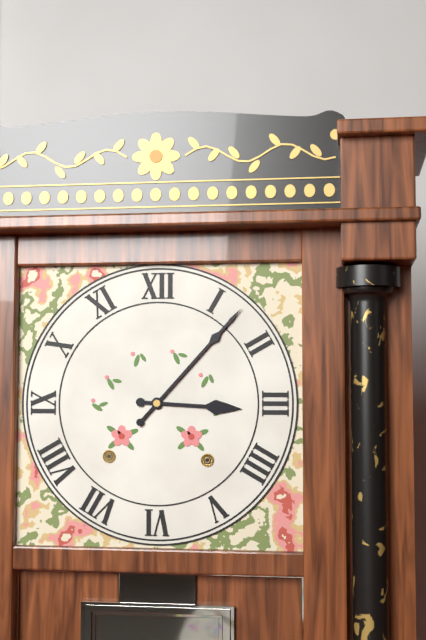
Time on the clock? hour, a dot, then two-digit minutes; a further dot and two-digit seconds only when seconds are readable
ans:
3.07
